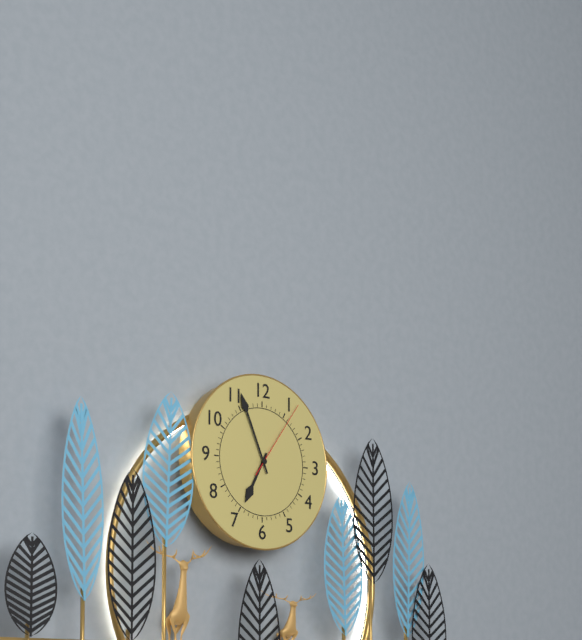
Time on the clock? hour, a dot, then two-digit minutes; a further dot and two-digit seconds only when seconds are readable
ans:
6.56.06
